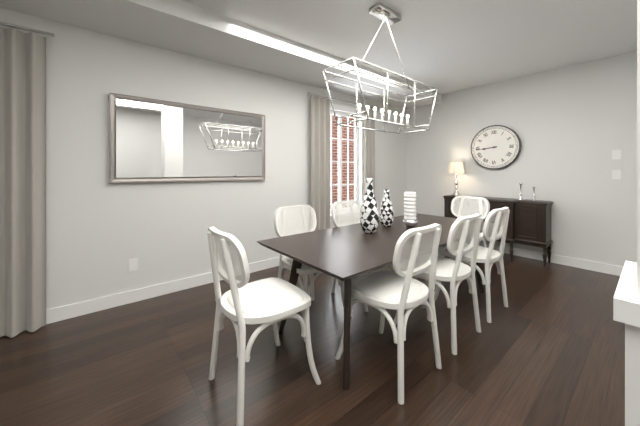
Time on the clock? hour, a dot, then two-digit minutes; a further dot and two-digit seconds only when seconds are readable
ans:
8.44
